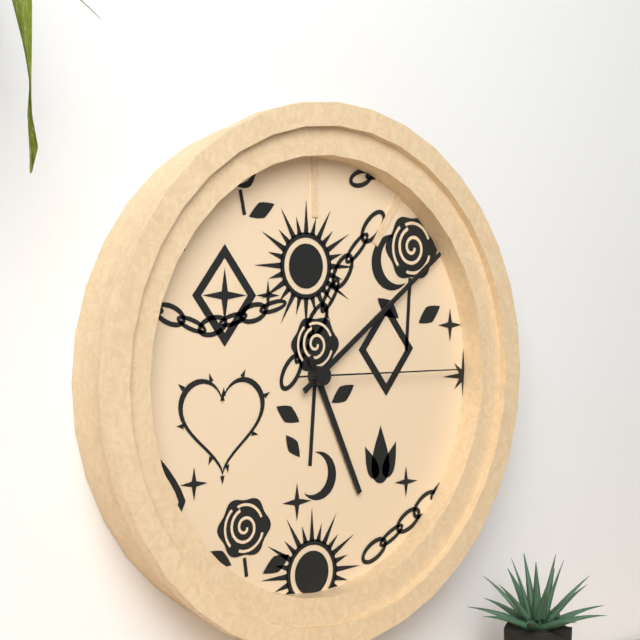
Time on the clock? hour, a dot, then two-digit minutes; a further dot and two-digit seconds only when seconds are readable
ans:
5.09.15
